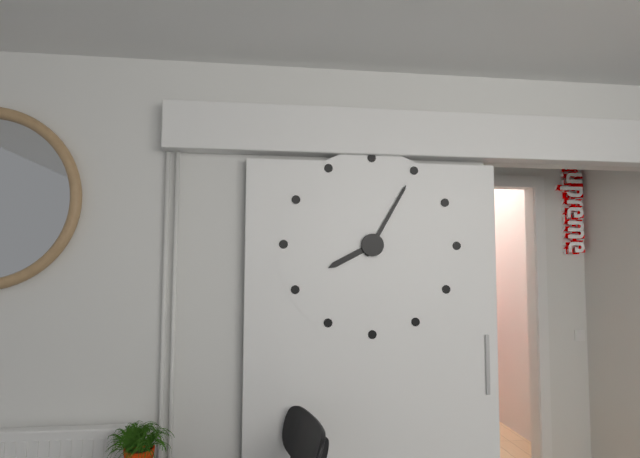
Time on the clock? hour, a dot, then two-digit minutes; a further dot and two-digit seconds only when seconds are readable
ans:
8.05
